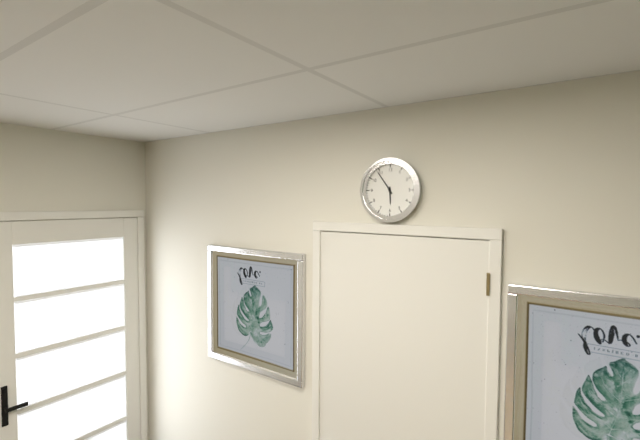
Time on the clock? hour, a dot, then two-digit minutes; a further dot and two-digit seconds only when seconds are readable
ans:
5.54
